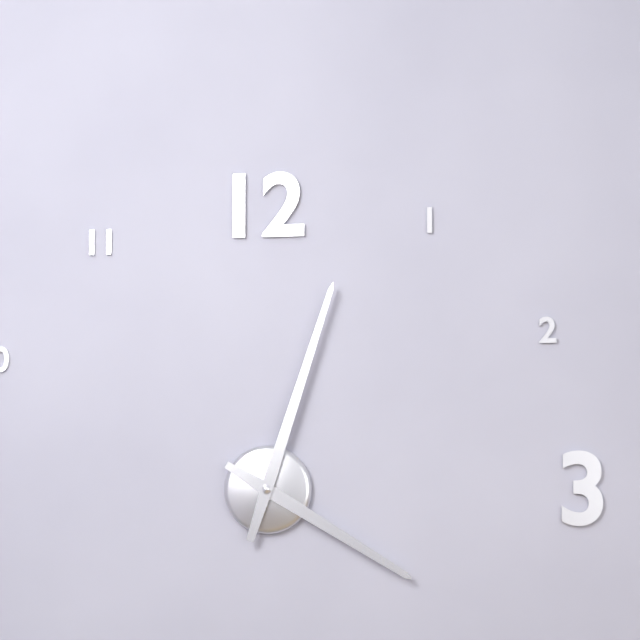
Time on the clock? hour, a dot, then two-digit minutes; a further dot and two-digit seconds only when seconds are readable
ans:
4.03
